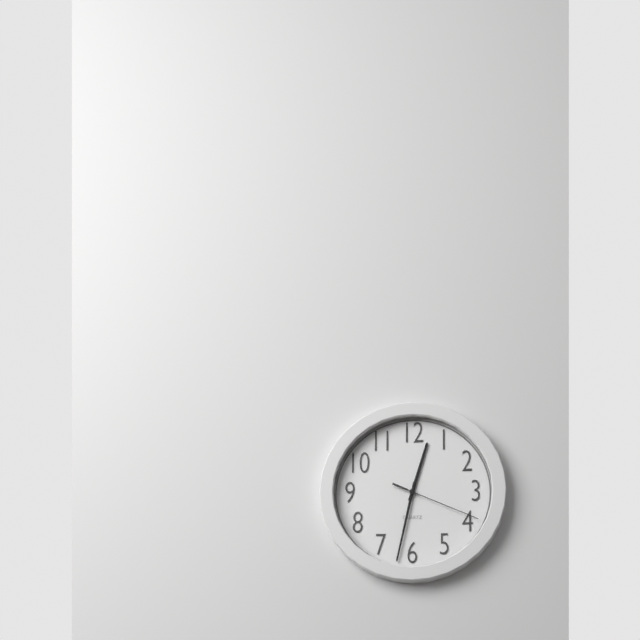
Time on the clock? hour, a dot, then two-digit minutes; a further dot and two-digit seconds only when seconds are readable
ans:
12.32.19
